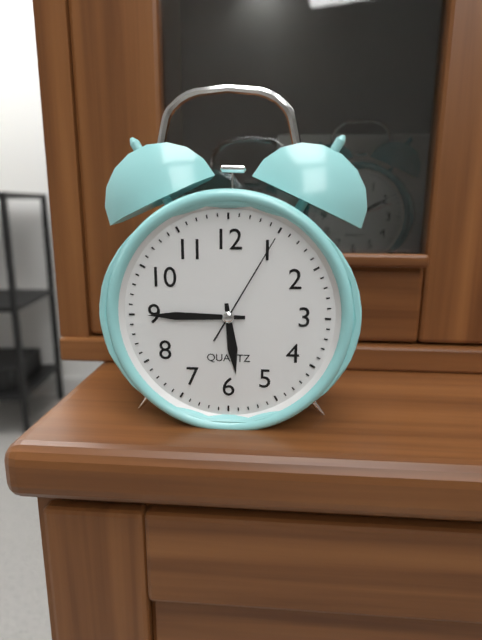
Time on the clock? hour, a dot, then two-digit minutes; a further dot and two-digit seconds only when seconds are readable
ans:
5.45.05
